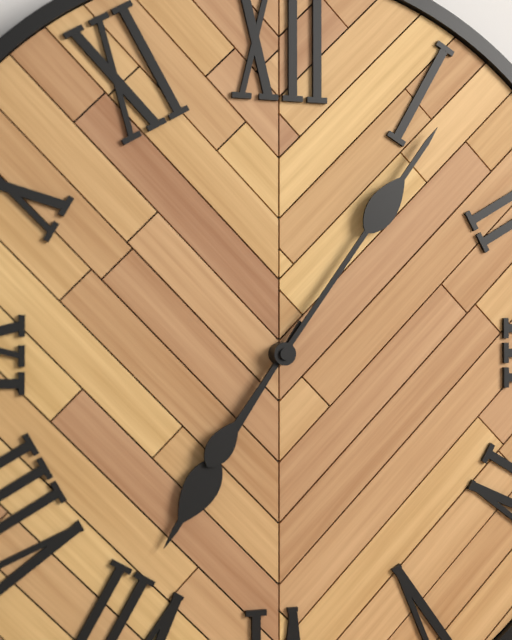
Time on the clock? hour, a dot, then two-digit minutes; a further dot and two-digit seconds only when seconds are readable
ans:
7.06
